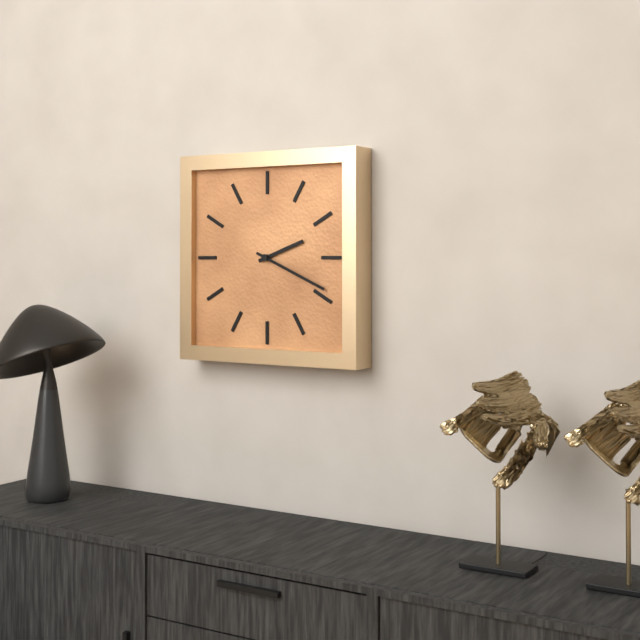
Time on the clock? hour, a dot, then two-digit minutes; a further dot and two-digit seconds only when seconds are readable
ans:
2.19
